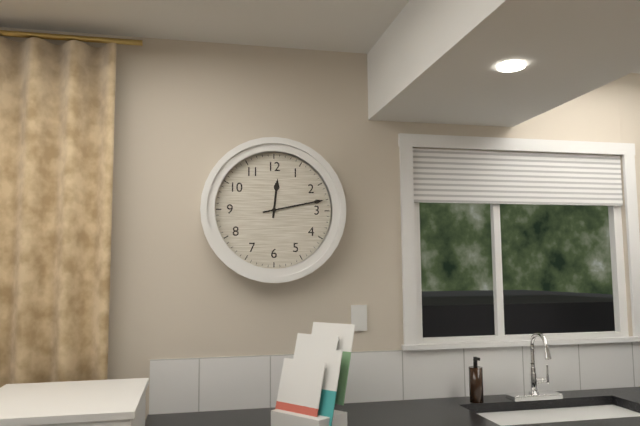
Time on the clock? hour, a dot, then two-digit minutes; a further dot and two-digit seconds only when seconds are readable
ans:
12.13
